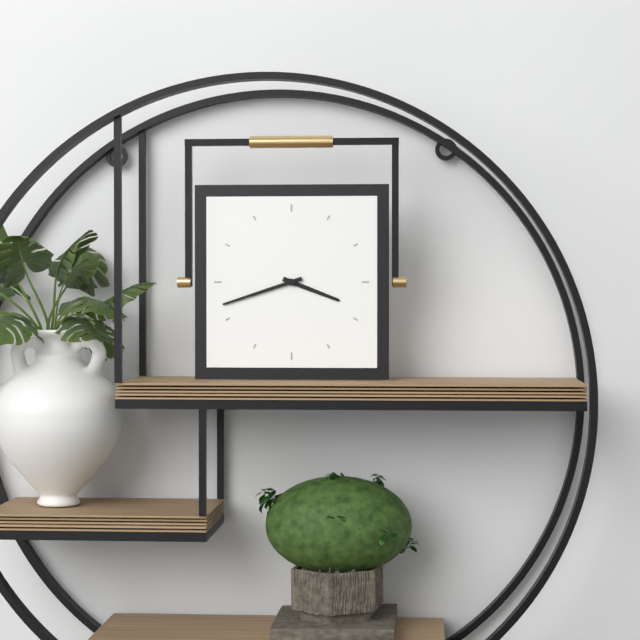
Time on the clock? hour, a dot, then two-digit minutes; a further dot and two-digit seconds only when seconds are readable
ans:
3.42
